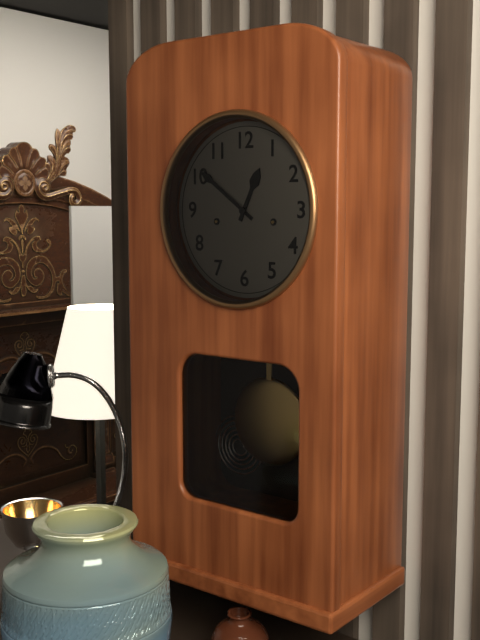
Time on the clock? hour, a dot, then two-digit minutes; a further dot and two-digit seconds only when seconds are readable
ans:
12.51
